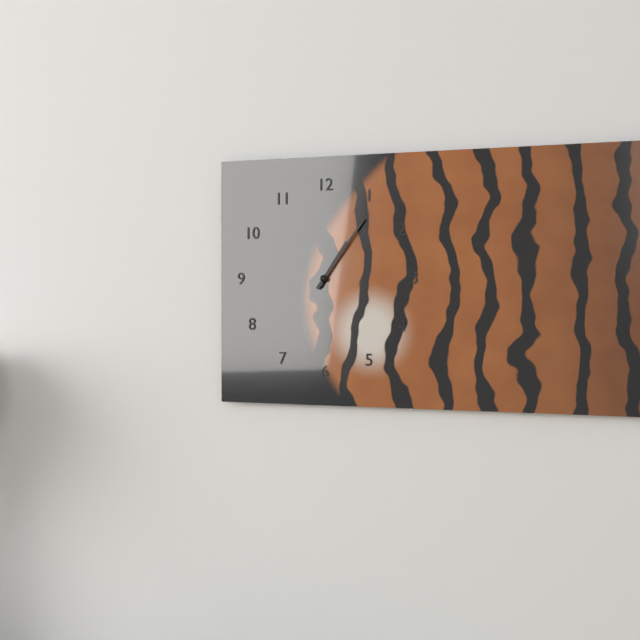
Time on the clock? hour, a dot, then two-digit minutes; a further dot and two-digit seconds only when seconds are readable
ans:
1.06
